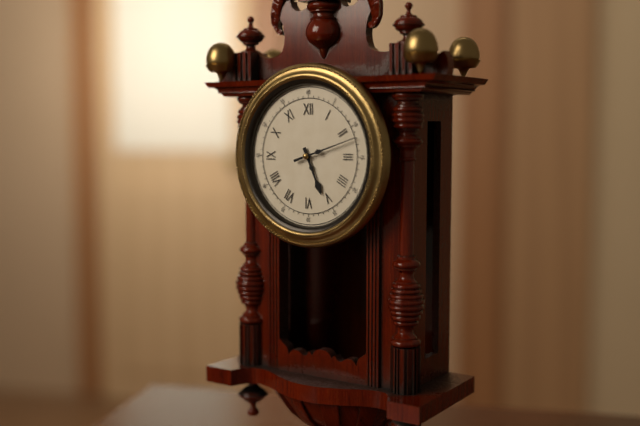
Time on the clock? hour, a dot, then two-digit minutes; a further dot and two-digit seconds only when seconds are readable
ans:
5.12
